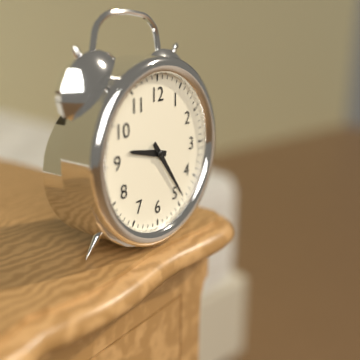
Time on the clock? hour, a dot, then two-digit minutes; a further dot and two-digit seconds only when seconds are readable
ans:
9.24
